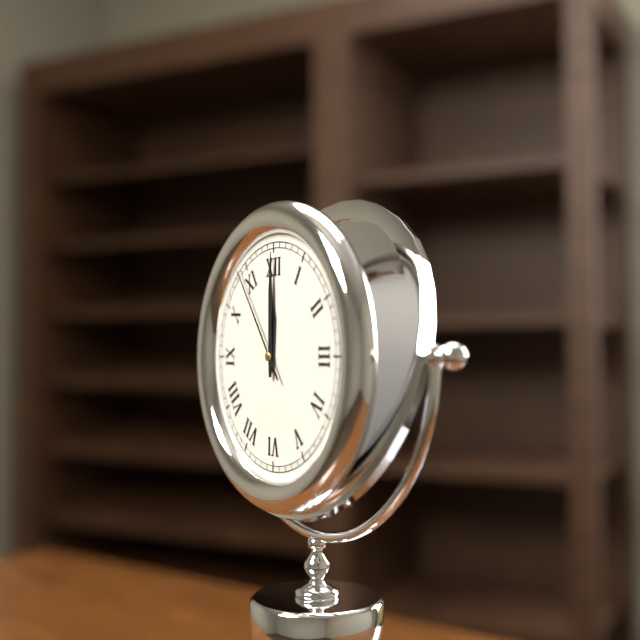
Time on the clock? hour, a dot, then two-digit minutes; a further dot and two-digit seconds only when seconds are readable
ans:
12.00.54
